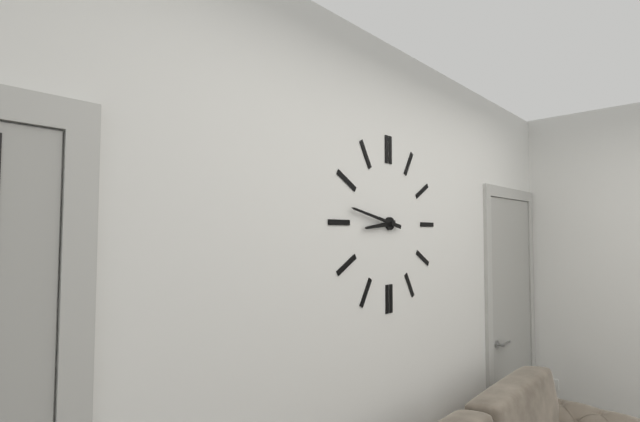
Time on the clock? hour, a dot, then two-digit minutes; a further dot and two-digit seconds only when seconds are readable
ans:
8.47
